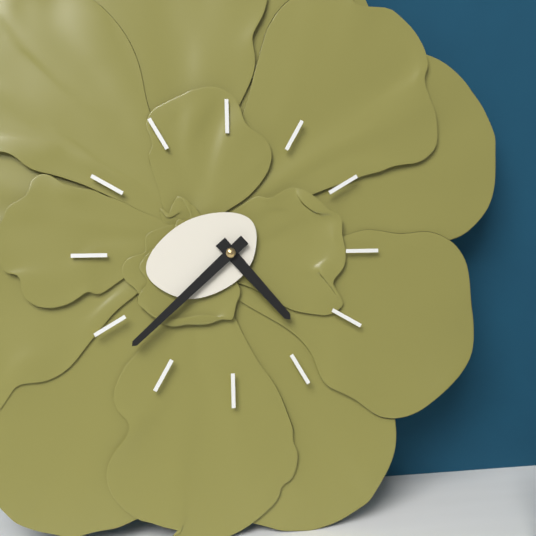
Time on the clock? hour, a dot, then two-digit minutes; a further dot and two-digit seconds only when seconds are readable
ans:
4.38
